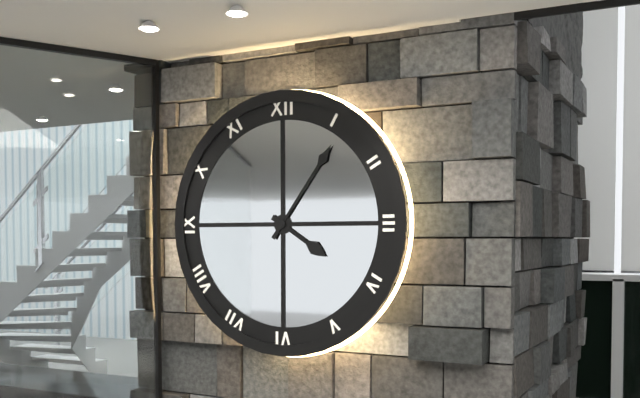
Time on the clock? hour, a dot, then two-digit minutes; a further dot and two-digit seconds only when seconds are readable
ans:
4.06
